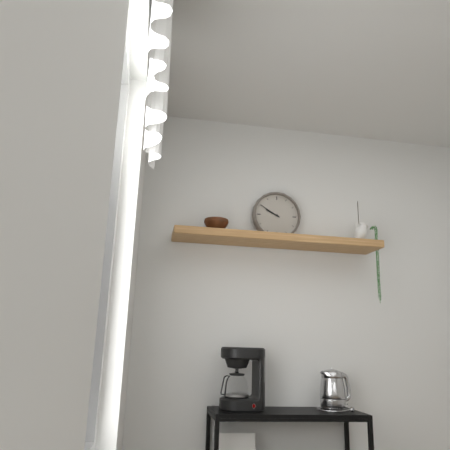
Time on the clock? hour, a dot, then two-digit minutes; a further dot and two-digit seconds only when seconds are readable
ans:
9.50
